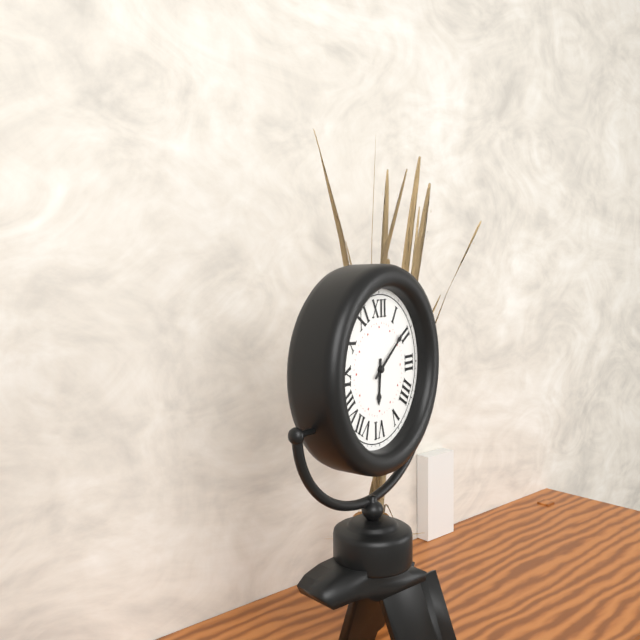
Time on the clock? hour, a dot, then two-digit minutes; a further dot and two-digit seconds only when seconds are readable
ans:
6.09
